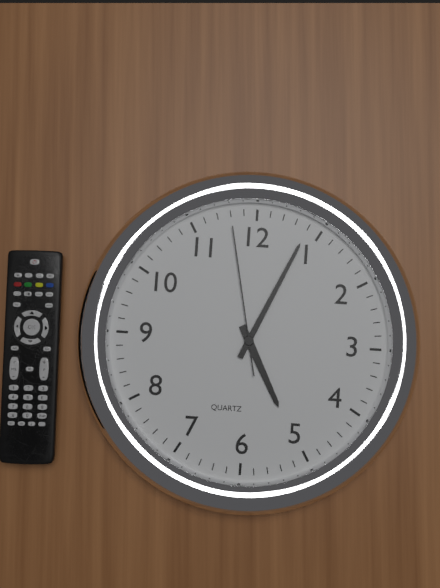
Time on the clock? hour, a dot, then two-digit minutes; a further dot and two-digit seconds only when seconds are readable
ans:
5.04.58
